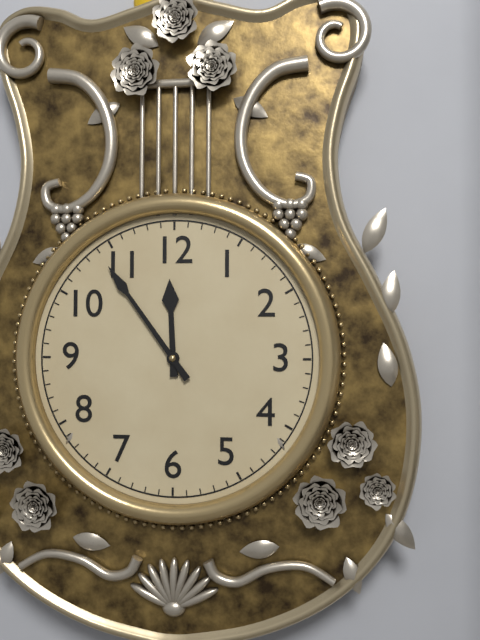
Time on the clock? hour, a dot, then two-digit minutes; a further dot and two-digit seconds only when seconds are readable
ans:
11.54
